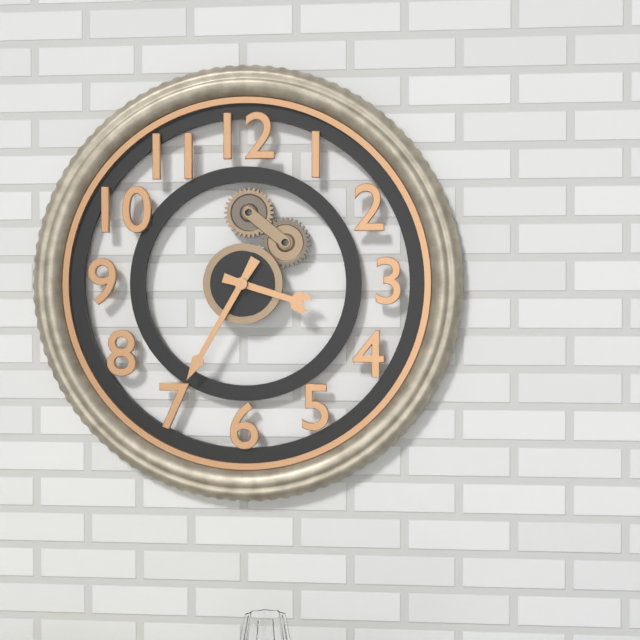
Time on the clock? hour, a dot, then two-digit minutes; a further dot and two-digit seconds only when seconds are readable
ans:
3.35
